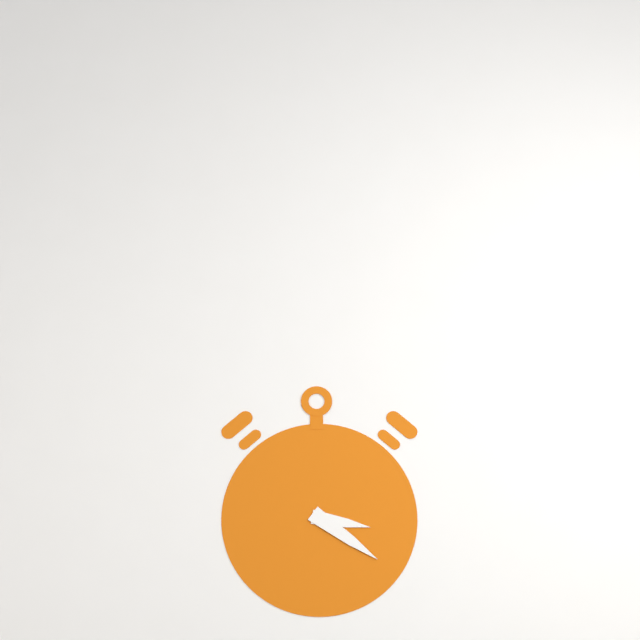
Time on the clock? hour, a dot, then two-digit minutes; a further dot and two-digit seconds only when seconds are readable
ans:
3.21
